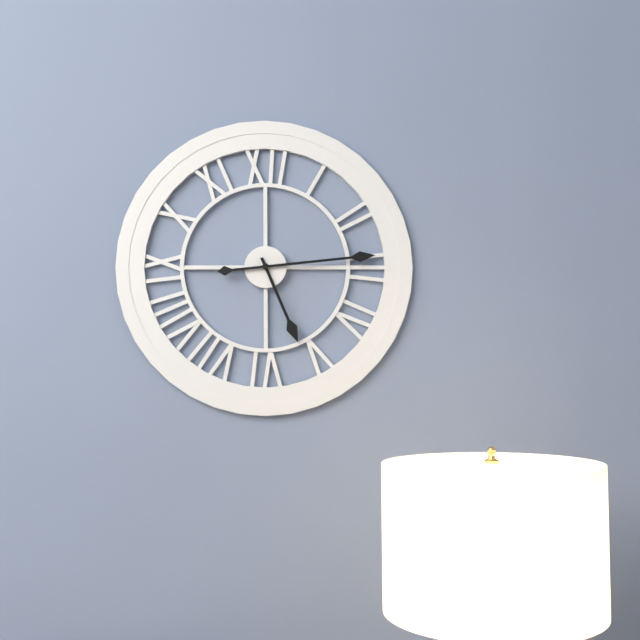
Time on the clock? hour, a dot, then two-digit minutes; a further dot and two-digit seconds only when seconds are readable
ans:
5.14
